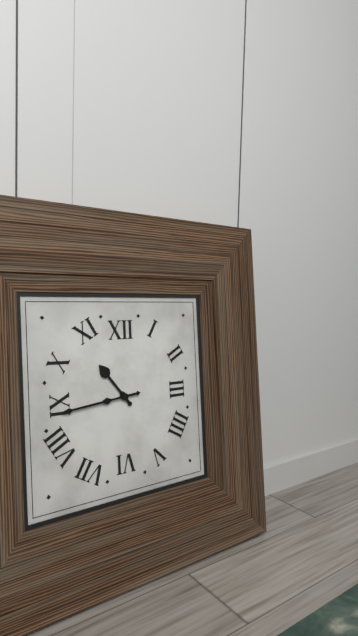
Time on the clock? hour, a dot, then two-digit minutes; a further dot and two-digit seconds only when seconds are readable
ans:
10.44
